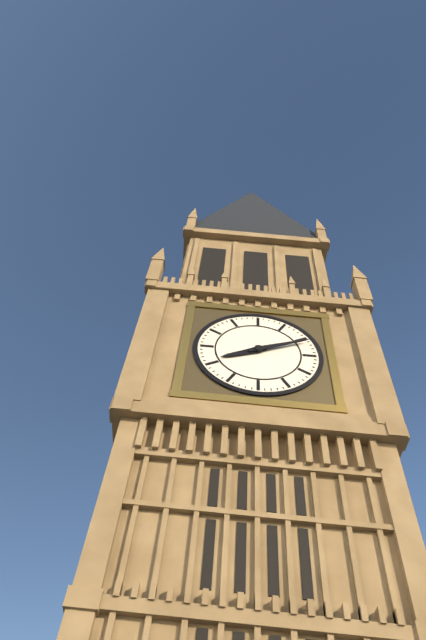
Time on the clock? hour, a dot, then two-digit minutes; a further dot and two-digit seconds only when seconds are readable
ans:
8.11
